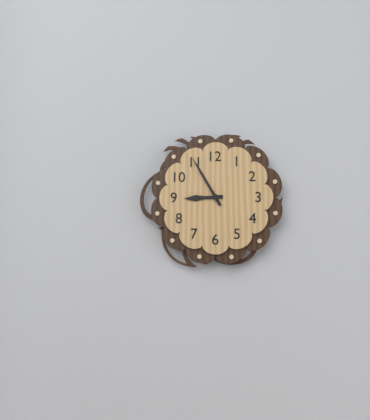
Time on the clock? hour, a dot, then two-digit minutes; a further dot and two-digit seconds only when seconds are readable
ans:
8.55
